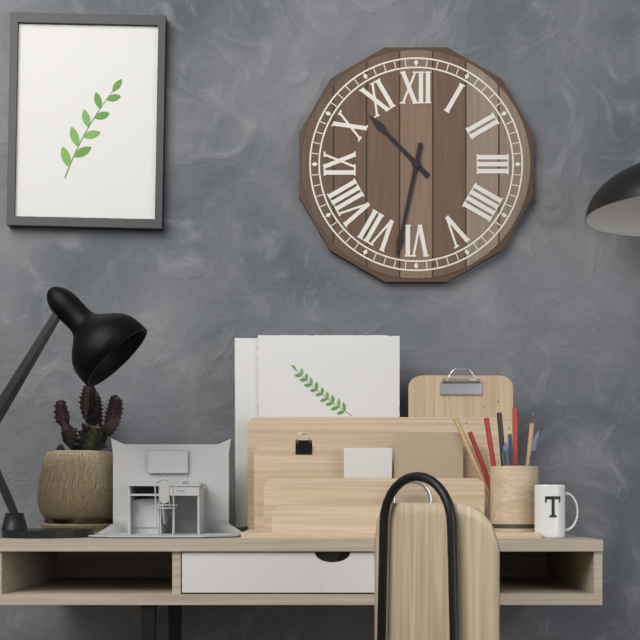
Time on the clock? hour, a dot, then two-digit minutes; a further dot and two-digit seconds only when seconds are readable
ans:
10.32
